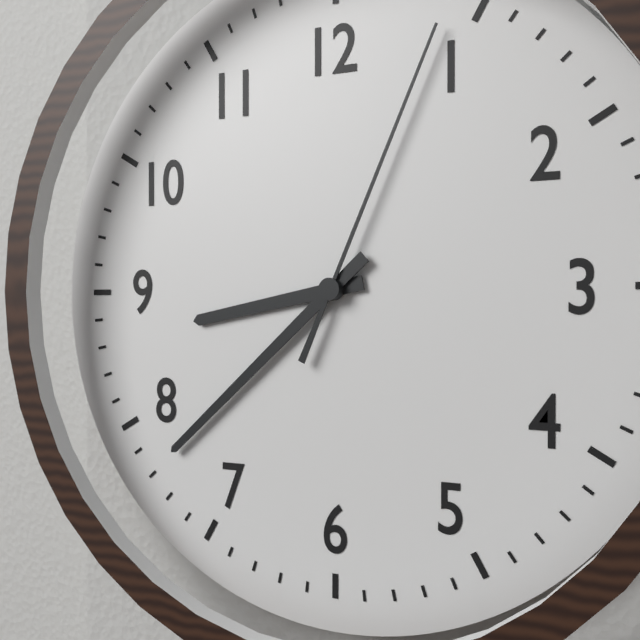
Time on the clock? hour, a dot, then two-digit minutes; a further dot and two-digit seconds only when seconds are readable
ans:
8.38.04
